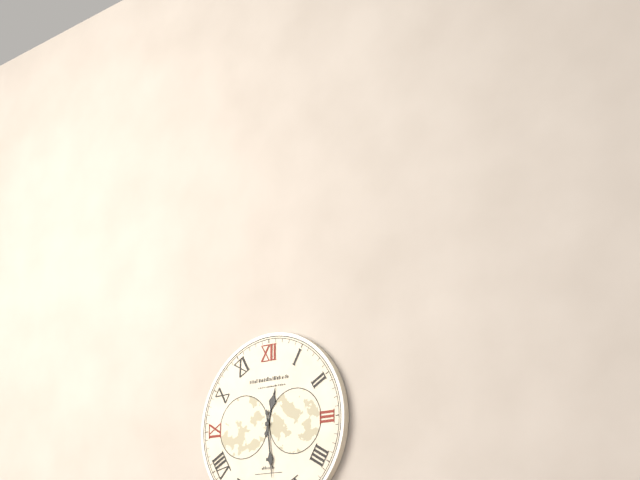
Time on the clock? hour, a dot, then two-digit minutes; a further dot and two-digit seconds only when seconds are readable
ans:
12.29
